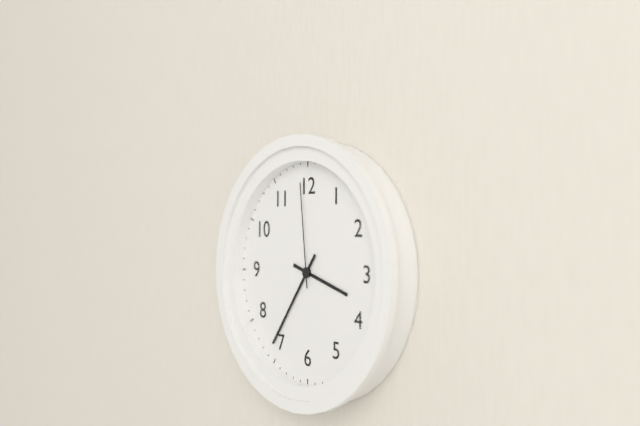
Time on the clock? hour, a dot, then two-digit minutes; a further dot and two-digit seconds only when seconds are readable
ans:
3.36.59
